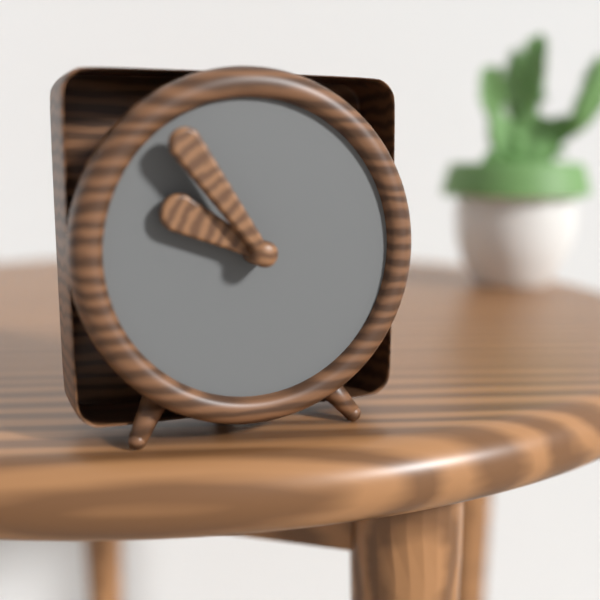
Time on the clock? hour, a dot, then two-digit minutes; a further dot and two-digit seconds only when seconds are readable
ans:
9.54
